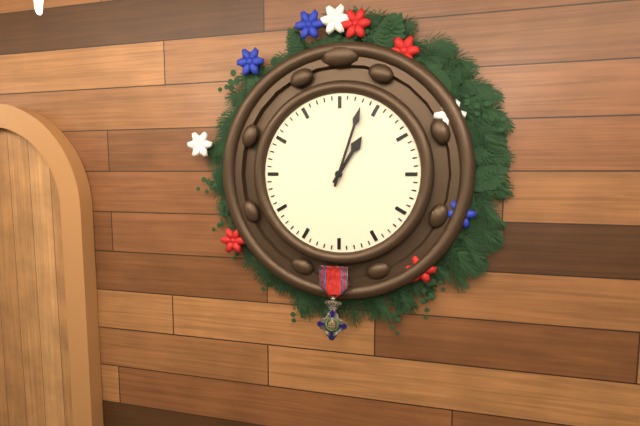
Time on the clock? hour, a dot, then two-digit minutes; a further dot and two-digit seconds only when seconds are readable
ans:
1.03
